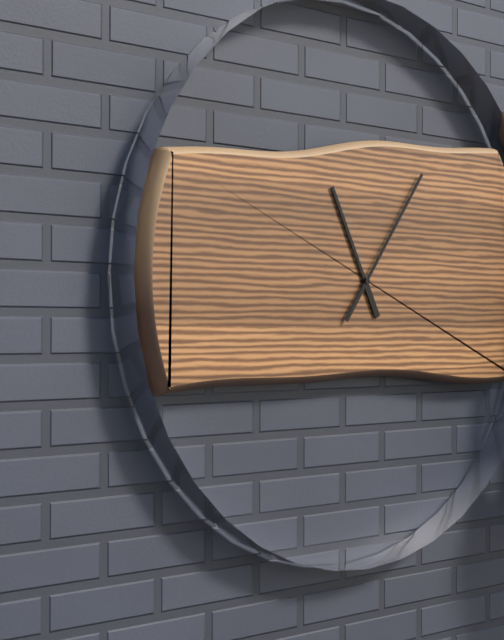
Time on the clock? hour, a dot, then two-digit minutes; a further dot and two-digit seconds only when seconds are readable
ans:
11.06
